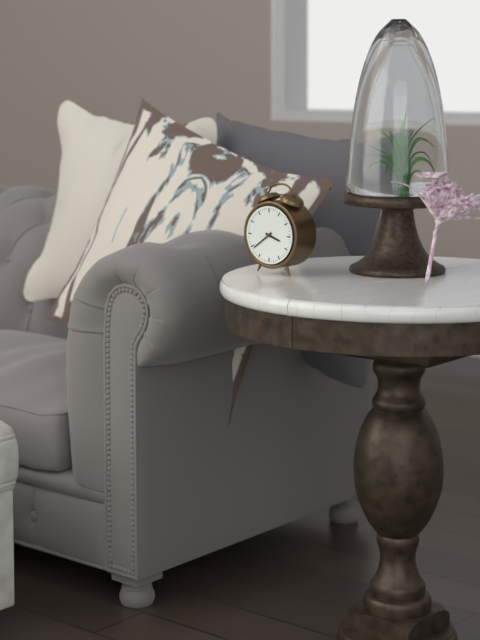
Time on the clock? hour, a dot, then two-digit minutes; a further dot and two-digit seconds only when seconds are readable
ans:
3.39
